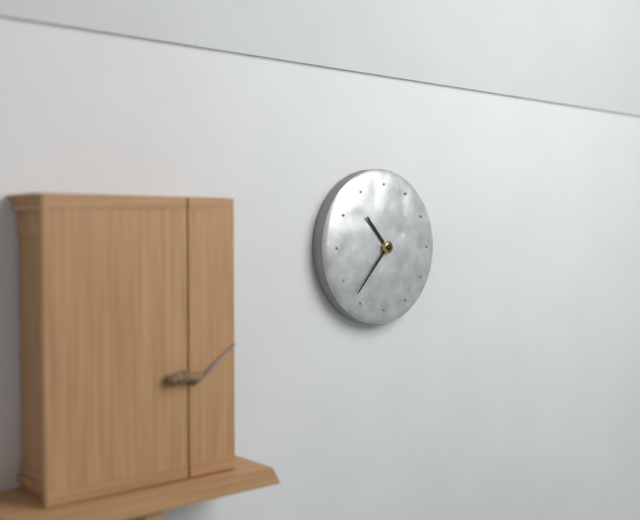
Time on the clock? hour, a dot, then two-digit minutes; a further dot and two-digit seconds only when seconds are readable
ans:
10.37
